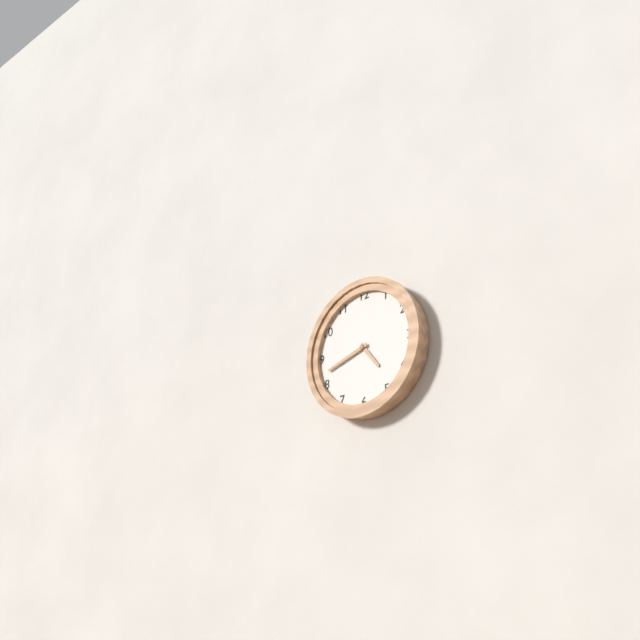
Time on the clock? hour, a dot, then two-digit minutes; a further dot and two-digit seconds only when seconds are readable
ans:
4.42
